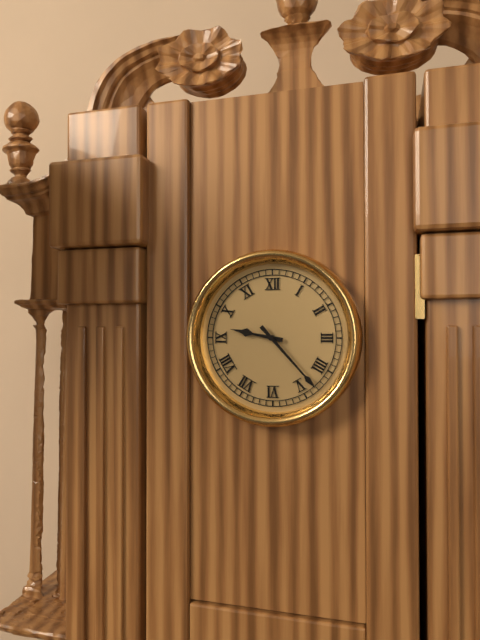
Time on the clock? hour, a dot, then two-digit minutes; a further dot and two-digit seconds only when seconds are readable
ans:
9.23
